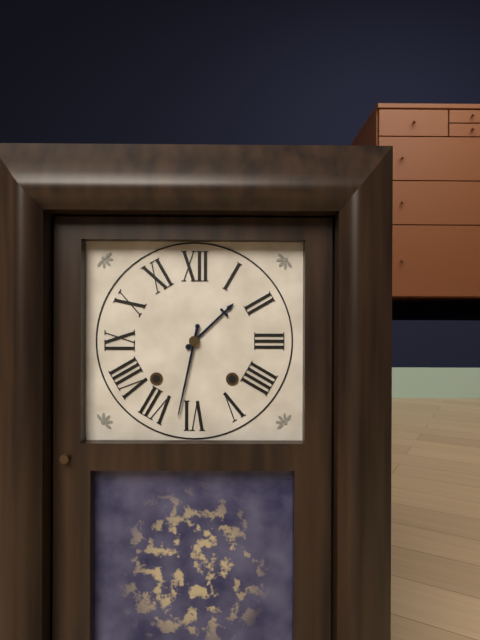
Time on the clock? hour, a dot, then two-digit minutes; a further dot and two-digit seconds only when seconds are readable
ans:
1.32
